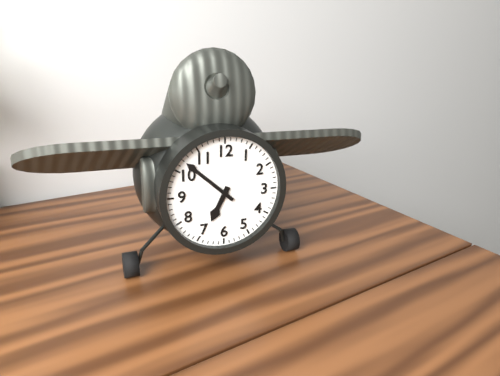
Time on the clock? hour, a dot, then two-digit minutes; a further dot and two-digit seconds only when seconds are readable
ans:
6.52
